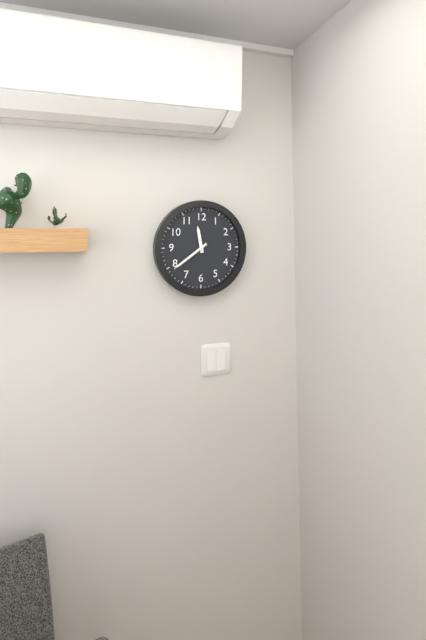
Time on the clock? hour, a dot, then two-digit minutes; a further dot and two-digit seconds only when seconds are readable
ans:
11.39
